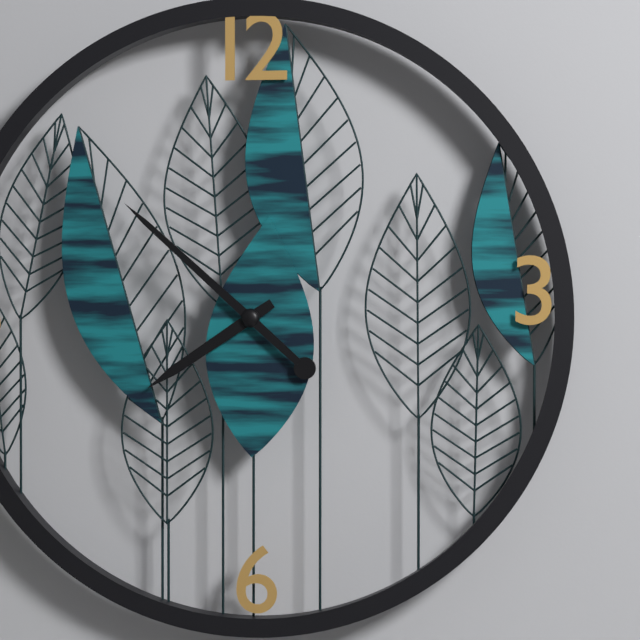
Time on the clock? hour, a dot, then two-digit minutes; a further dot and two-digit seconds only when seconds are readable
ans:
7.52
